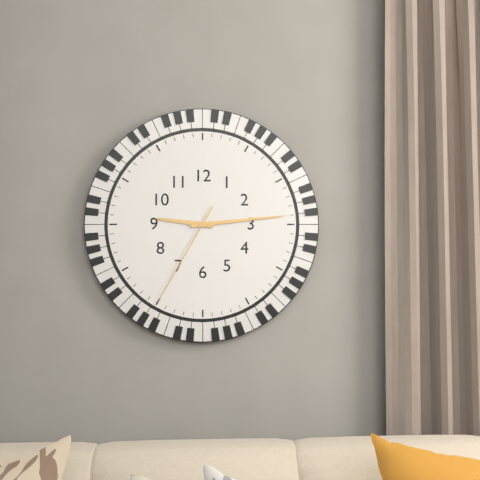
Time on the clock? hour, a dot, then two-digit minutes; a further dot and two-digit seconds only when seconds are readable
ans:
9.14.35
